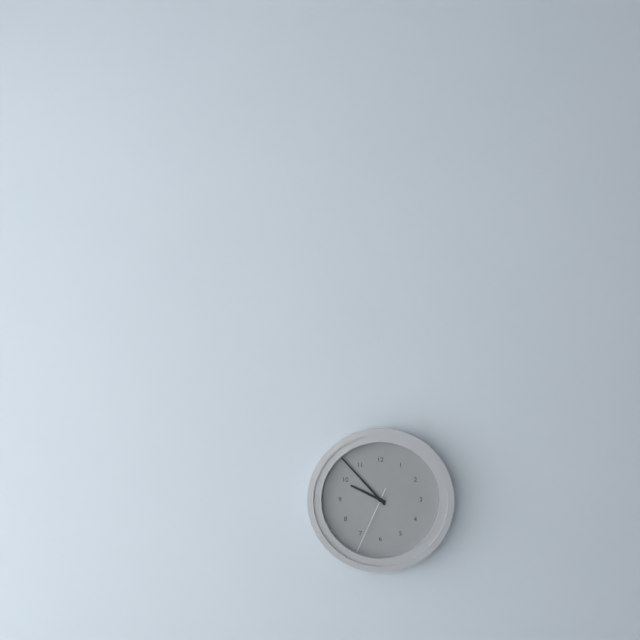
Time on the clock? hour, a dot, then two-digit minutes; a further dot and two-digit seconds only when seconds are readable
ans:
9.53.34
